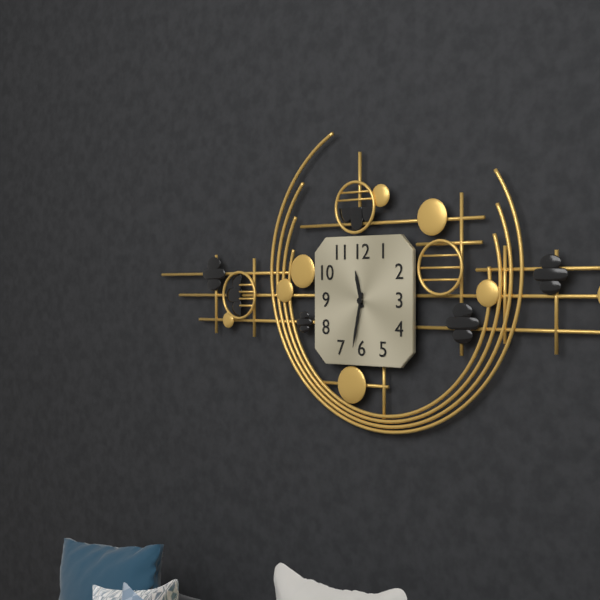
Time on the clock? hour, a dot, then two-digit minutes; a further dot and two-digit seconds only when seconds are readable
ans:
11.32
